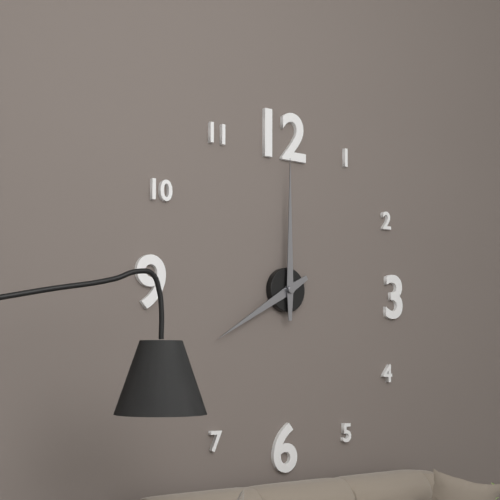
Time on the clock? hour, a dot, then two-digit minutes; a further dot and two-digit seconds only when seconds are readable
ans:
8.00
